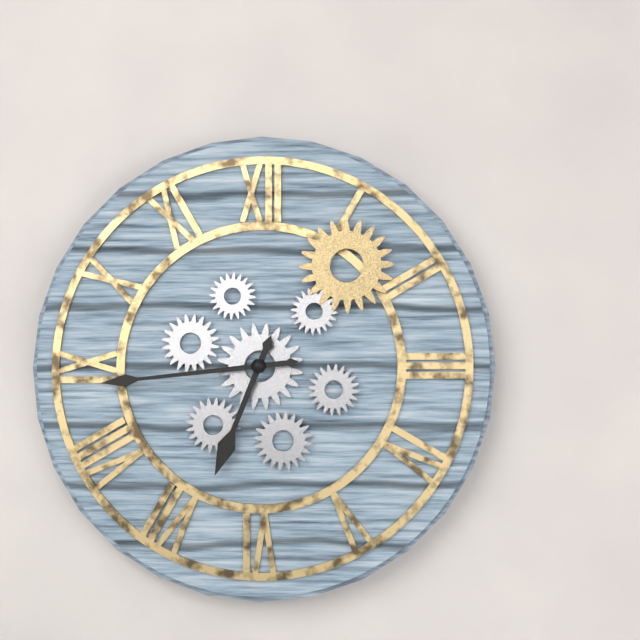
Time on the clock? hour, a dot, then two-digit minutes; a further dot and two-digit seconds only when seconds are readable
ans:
6.44
